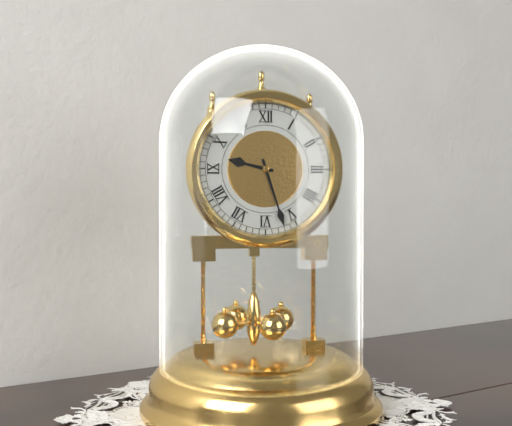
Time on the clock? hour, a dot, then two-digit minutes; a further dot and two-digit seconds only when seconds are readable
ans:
9.27
